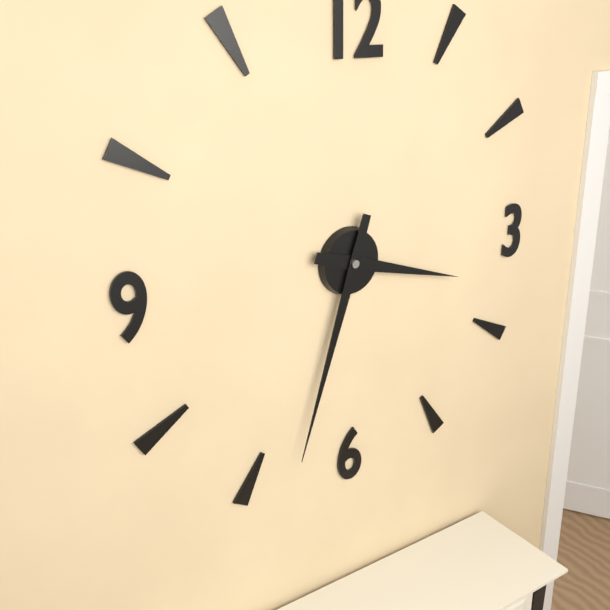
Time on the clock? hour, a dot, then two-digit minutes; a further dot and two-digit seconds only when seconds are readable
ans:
3.33
